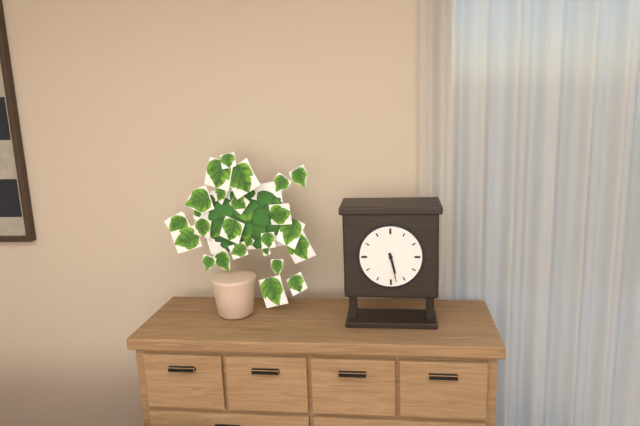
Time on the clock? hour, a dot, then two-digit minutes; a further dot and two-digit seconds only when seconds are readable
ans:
5.28
